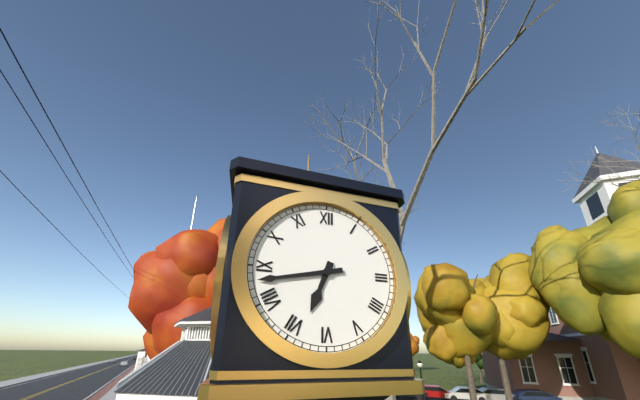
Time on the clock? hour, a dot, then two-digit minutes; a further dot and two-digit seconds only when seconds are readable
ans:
6.43
